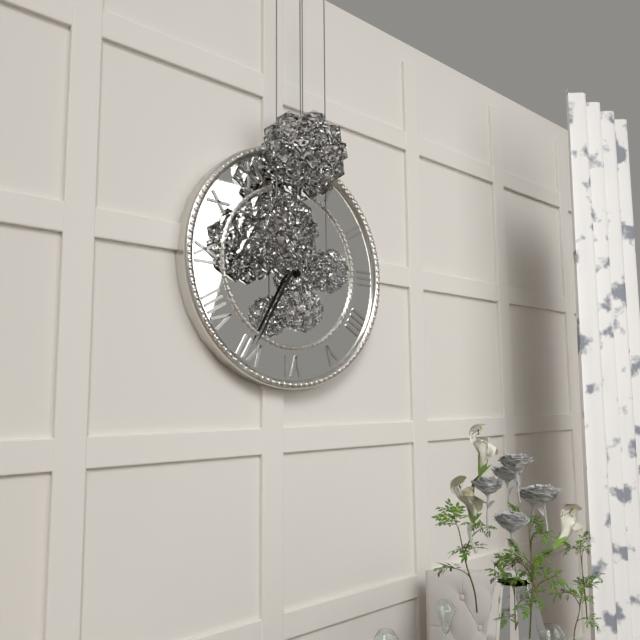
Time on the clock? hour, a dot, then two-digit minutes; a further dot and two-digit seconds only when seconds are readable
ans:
10.35
